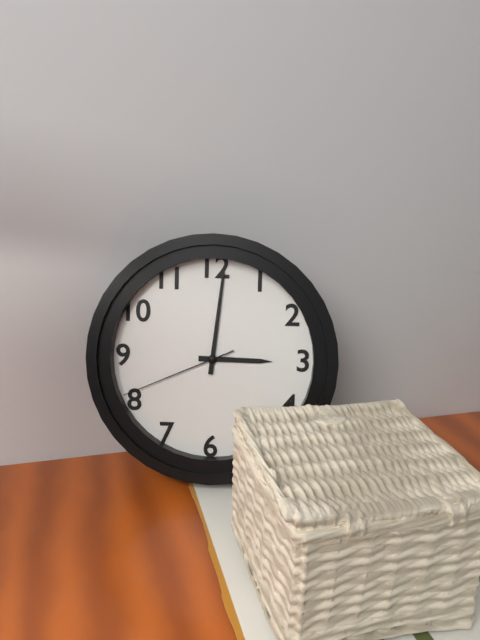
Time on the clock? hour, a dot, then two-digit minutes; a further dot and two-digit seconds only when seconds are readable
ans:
3.01.41
